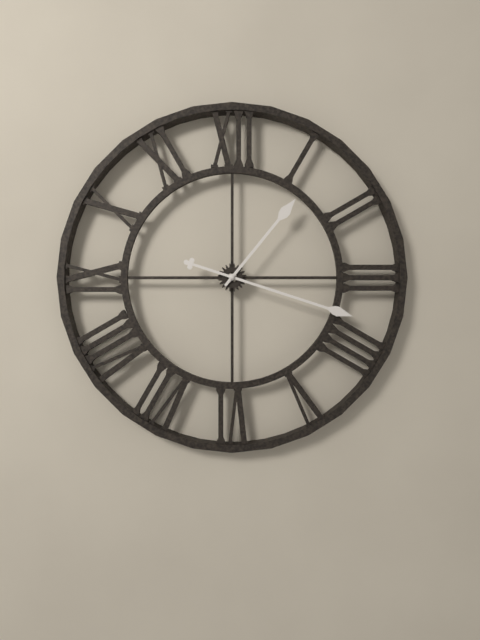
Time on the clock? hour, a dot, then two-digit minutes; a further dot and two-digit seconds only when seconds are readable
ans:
1.18
